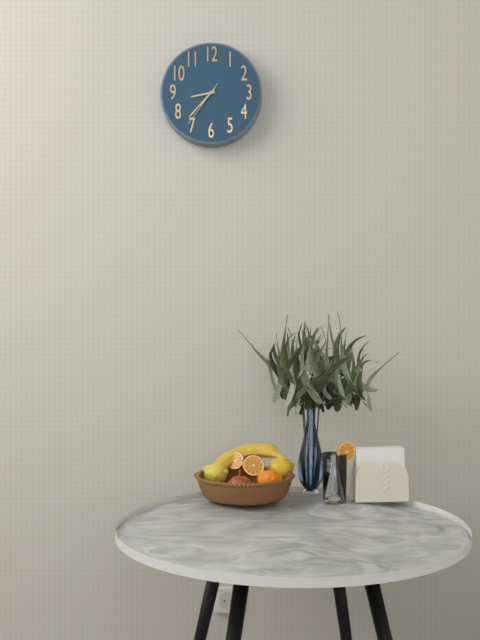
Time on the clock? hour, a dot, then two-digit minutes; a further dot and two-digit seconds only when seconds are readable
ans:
8.37.36
